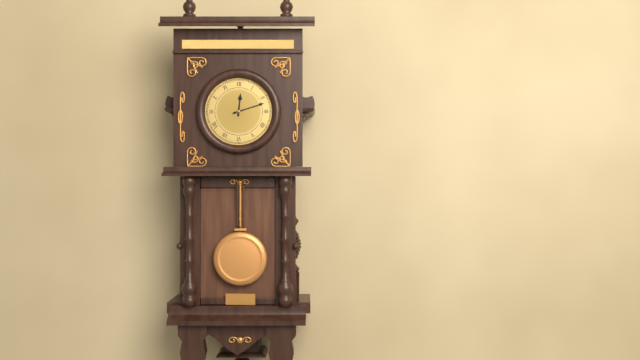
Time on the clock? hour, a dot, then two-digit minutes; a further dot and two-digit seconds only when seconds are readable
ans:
12.12
